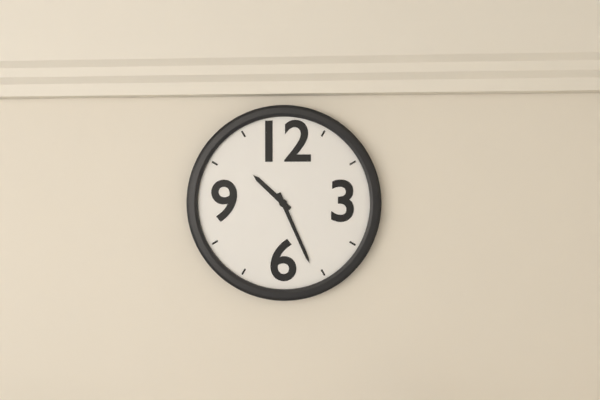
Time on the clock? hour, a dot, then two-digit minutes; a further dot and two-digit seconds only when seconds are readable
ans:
10.26
